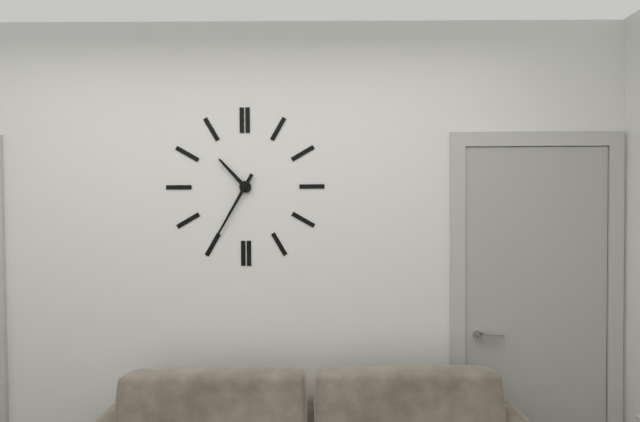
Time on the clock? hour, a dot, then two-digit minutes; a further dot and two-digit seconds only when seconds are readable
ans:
10.35
